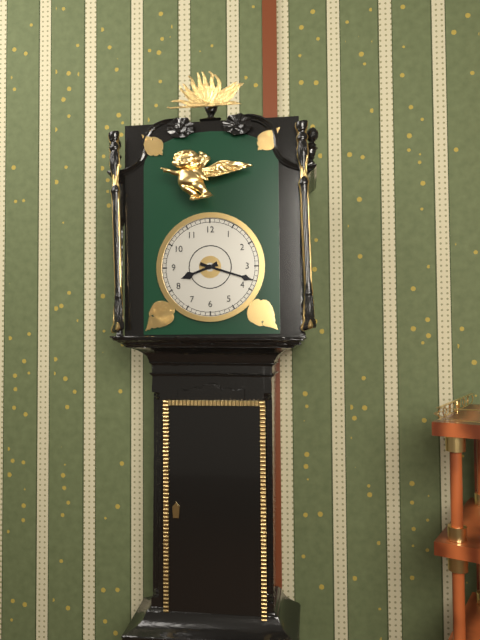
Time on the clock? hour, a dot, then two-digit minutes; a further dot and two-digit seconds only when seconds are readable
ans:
8.18
